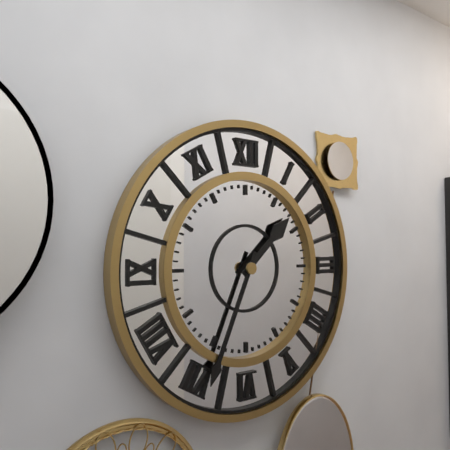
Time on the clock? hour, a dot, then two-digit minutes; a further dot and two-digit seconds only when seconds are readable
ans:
1.34
